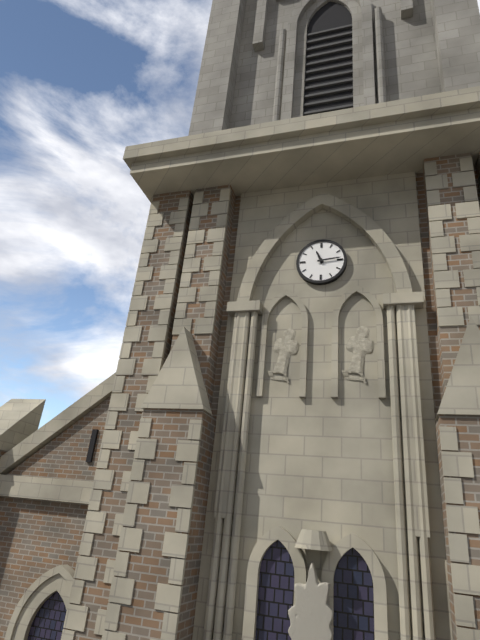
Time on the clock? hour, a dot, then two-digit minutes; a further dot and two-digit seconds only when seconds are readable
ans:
11.14
